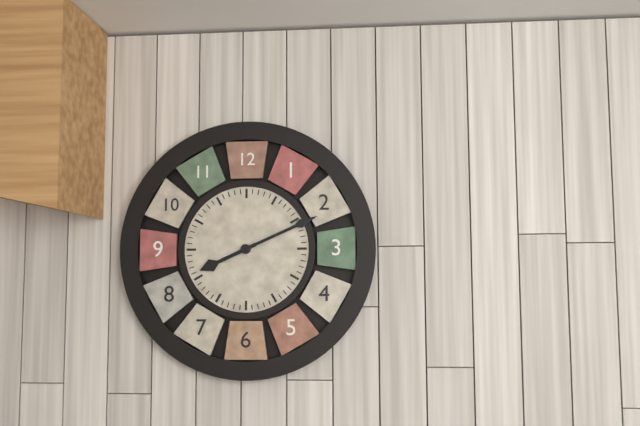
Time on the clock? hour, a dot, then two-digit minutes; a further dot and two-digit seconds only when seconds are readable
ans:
8.11
